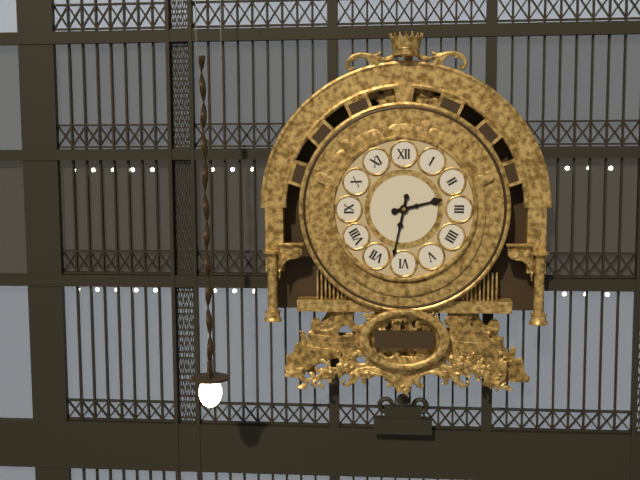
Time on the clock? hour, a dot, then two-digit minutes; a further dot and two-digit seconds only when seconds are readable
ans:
2.32
